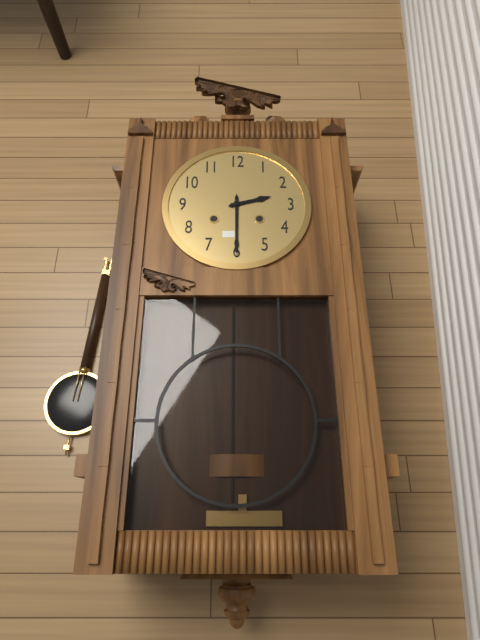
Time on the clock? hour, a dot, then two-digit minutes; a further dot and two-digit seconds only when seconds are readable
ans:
2.30
